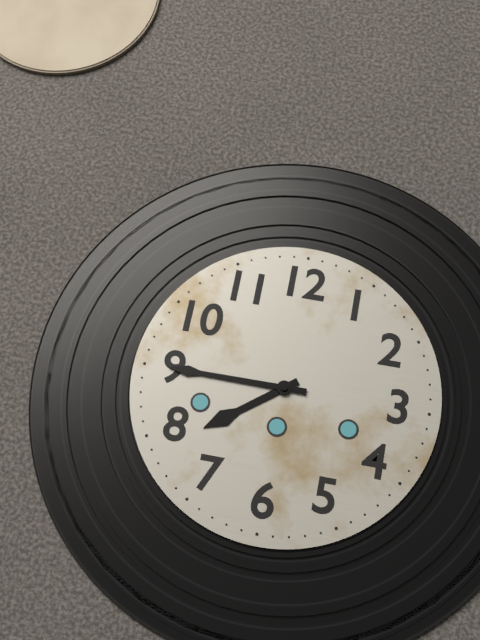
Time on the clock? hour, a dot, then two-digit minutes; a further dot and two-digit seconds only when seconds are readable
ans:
7.45
